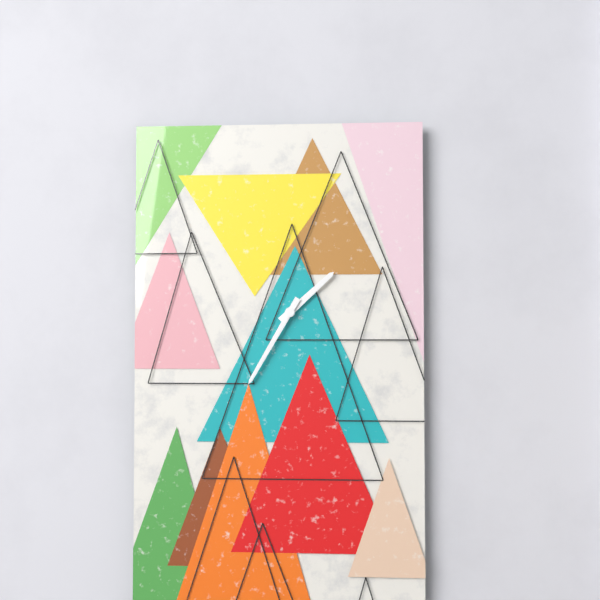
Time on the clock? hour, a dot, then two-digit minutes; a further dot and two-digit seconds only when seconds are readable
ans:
1.35
